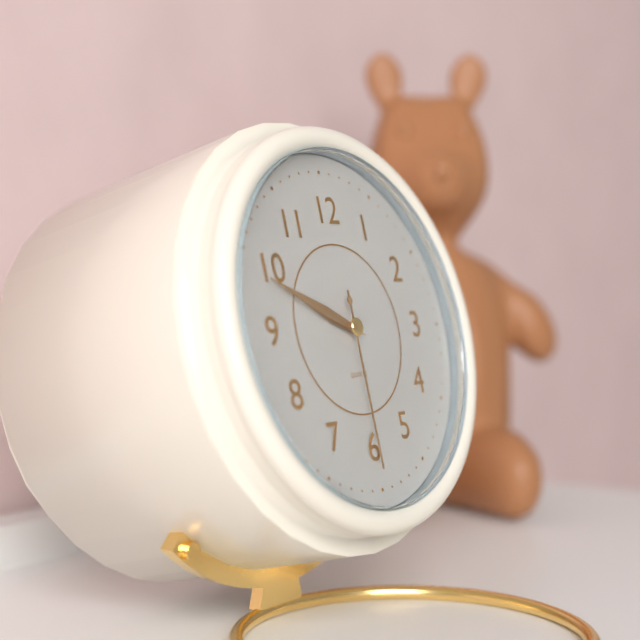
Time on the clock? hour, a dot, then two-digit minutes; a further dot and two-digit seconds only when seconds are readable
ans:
9.49.30
